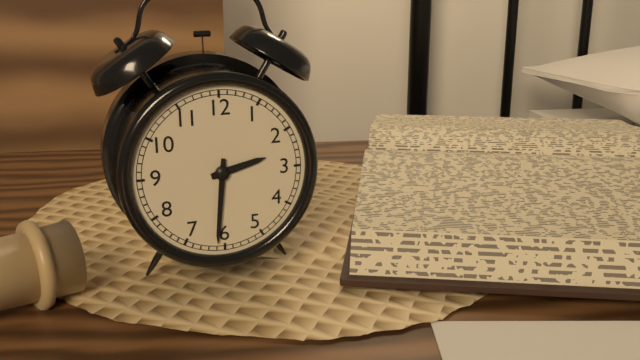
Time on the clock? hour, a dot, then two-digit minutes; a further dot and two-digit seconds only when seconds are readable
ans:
2.31
